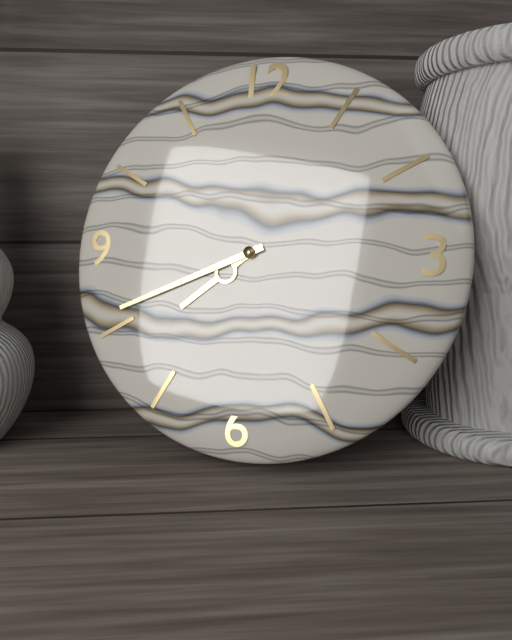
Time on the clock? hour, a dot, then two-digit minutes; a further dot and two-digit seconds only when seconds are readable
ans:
7.41
